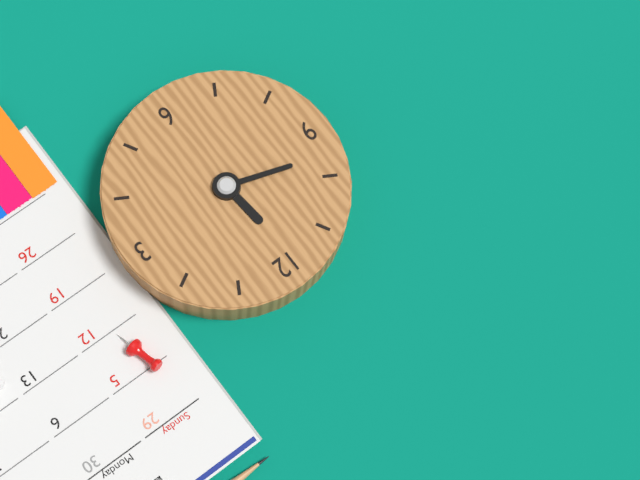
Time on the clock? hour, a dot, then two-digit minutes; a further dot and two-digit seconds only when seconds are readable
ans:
11.48
